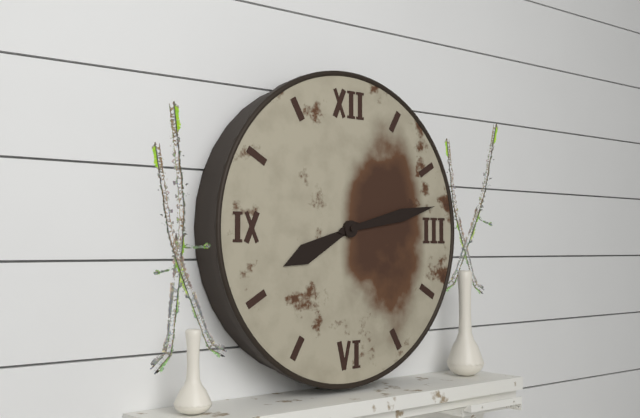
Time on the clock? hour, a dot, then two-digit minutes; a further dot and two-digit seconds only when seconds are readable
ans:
8.13
